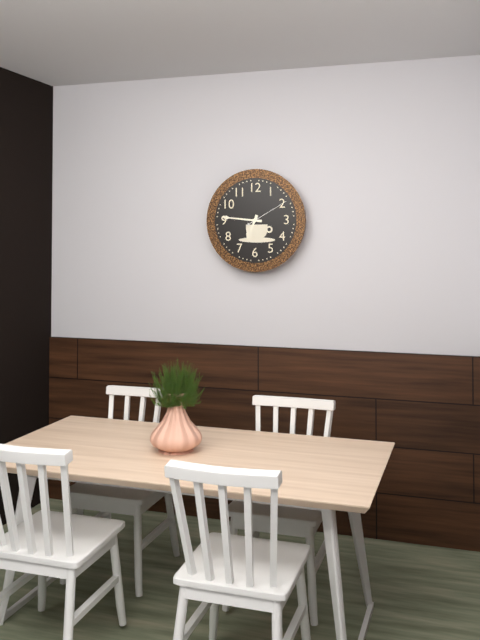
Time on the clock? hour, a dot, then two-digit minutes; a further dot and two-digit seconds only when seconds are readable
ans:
6.46
